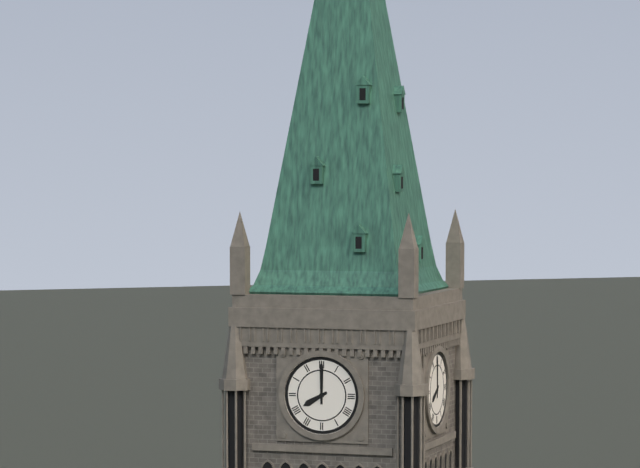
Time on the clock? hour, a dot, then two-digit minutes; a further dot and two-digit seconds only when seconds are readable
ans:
8.00
